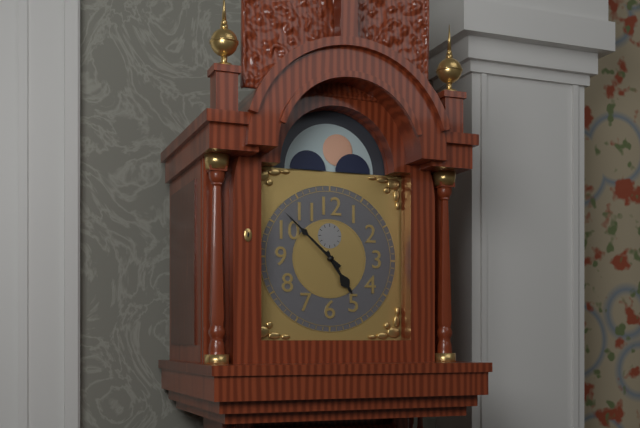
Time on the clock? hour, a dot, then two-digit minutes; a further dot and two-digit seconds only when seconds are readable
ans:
4.52
